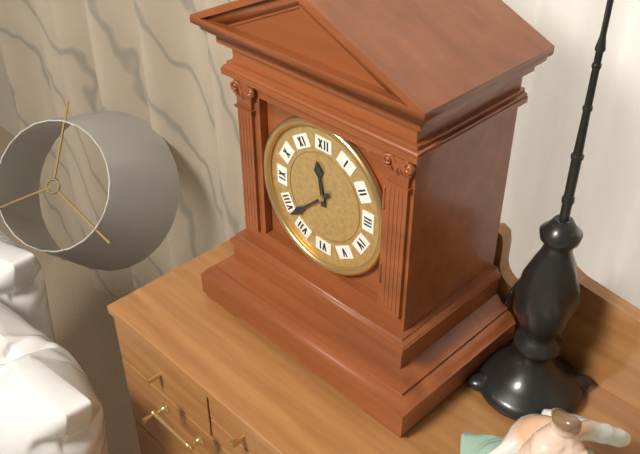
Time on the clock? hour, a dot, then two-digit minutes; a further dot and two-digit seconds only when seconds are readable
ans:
11.38
